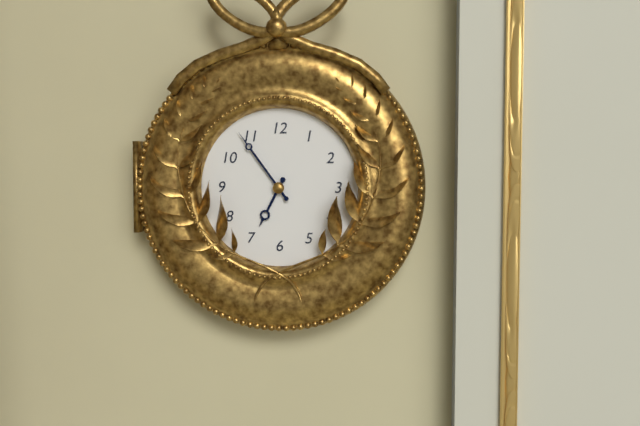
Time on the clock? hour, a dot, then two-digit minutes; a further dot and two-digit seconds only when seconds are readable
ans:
6.54
